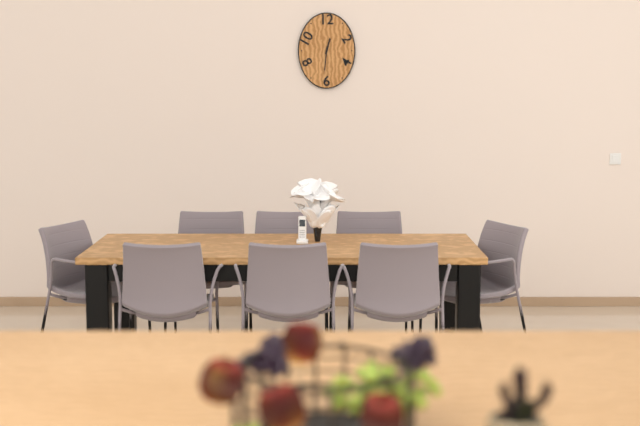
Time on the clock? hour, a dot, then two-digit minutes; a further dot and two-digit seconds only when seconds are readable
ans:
12.31
